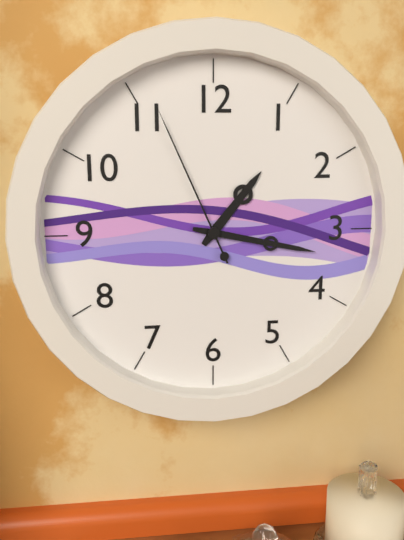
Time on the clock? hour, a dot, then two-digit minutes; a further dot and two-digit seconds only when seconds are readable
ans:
1.17.56
